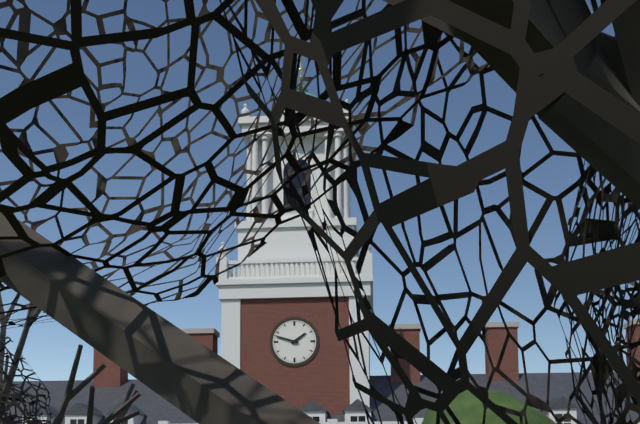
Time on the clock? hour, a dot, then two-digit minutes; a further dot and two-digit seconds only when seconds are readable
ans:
1.48
